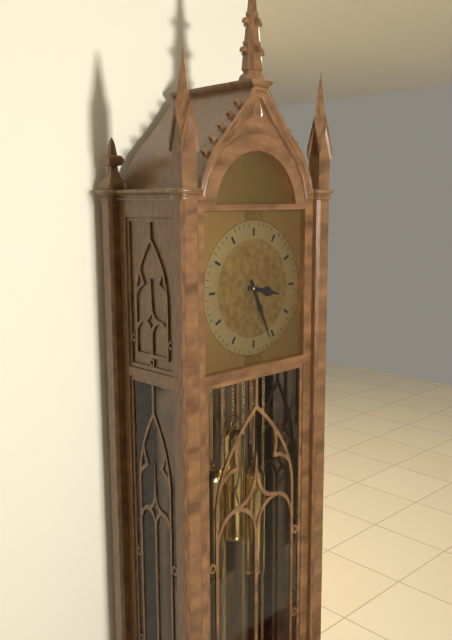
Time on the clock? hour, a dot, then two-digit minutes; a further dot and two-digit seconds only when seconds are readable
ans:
3.26
